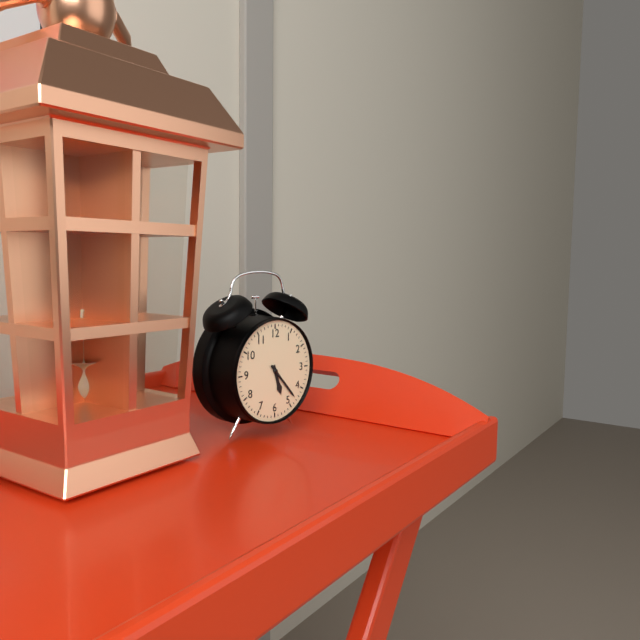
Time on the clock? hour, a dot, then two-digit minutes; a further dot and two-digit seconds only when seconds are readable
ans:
5.23
